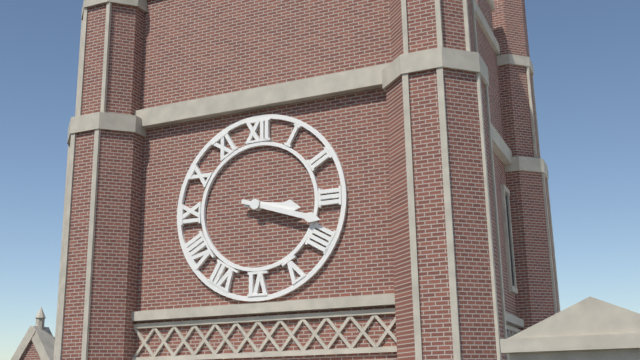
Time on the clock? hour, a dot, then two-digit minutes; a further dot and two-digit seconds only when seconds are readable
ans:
3.18
